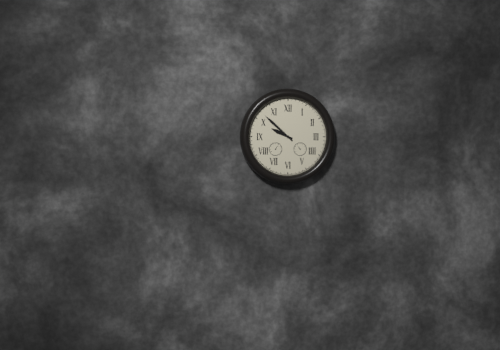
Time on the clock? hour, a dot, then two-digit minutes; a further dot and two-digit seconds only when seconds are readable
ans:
9.52
